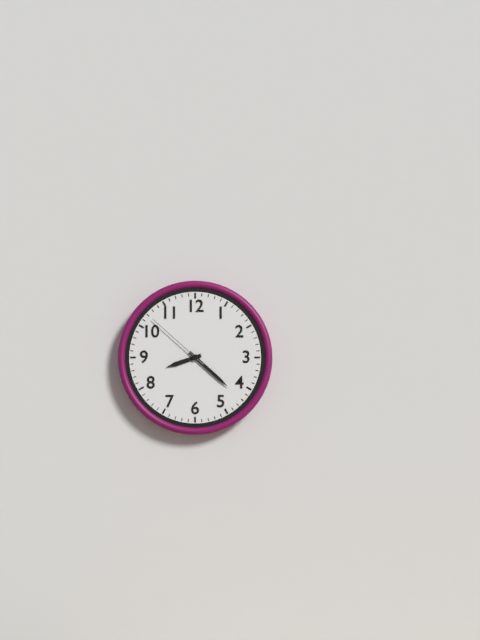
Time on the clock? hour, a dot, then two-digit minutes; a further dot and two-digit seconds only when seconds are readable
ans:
8.22.52
